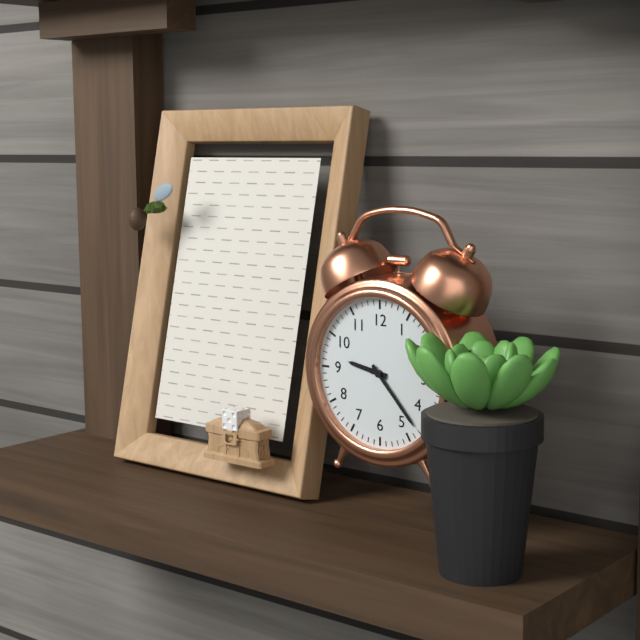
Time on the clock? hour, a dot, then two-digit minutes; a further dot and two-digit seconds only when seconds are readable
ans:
9.23
